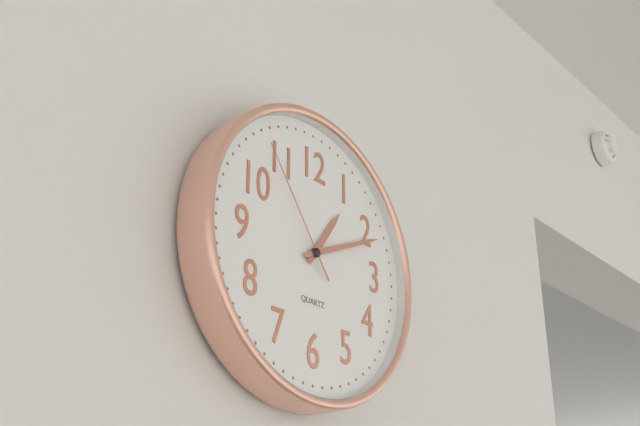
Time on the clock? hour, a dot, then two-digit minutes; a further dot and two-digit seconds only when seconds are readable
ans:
1.11.54
